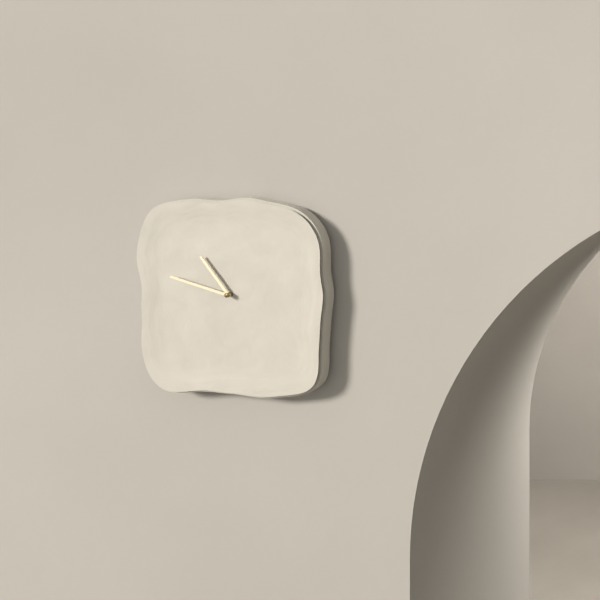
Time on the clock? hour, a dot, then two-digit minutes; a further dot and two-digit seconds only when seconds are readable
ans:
10.48
